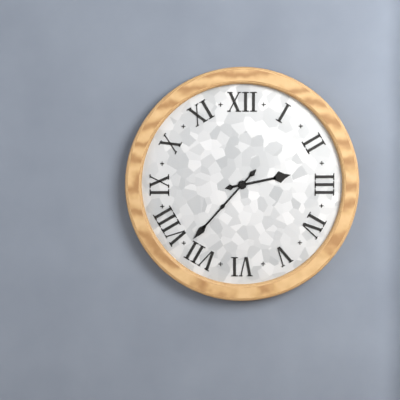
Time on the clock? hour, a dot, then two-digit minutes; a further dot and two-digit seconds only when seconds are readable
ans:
2.37
